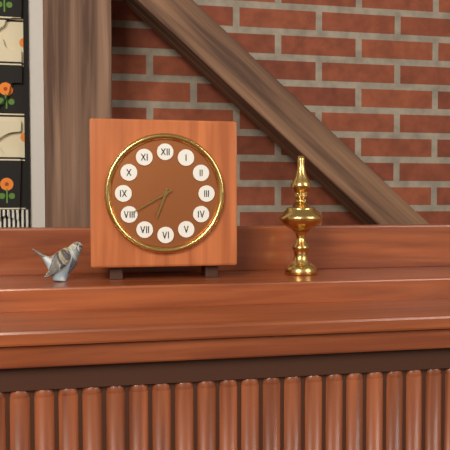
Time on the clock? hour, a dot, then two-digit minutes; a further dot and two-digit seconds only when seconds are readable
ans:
6.40
